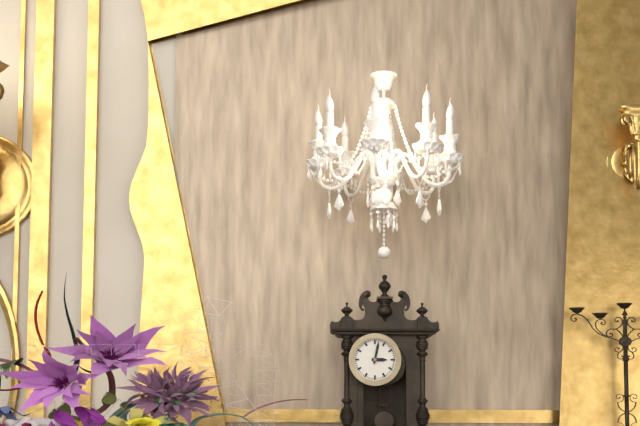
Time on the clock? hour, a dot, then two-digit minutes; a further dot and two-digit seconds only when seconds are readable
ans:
3.02
